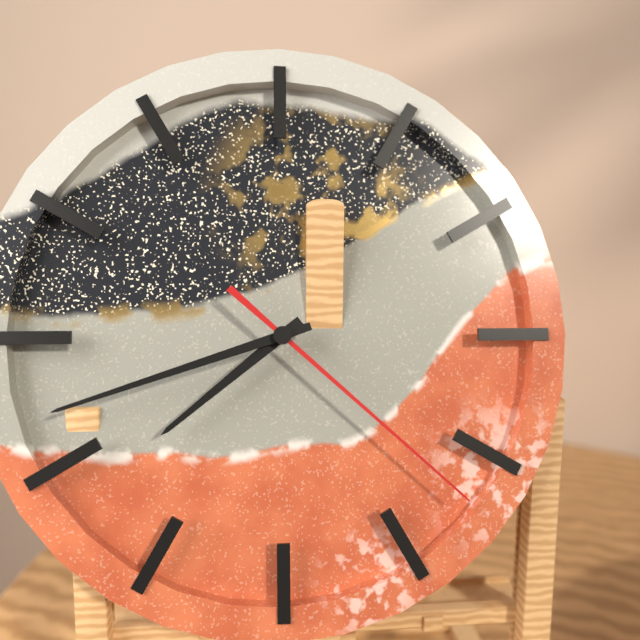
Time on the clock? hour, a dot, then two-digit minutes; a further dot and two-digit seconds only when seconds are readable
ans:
7.42.22
